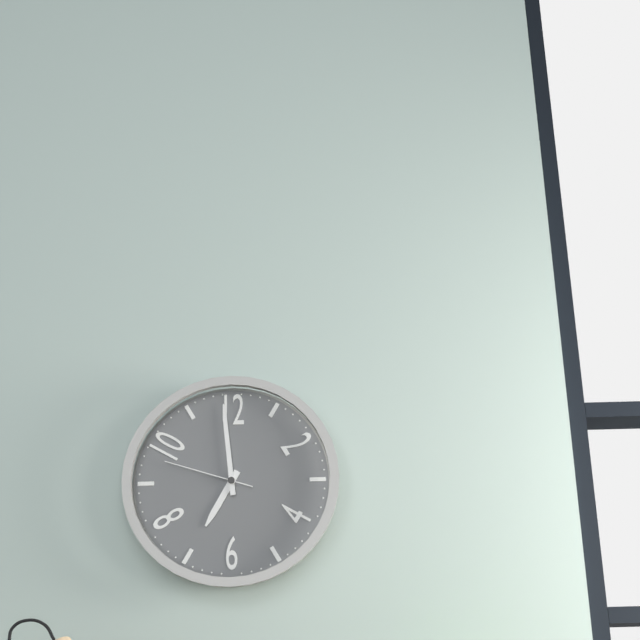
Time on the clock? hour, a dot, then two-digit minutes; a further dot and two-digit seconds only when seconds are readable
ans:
6.59.48
